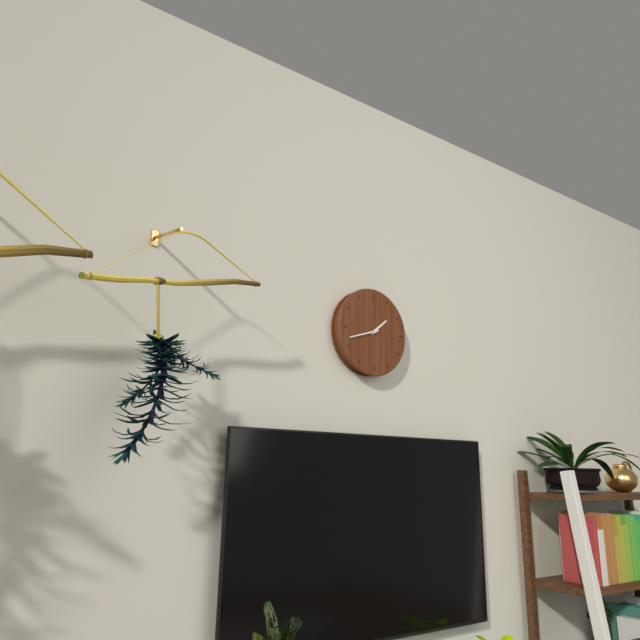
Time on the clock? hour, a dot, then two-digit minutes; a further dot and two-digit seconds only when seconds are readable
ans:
1.42
